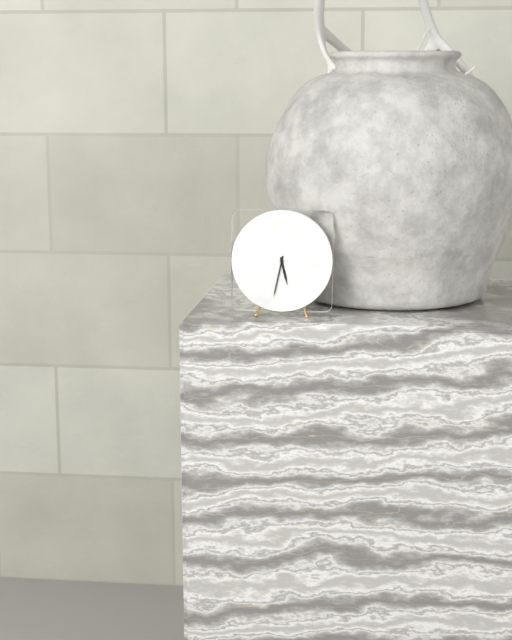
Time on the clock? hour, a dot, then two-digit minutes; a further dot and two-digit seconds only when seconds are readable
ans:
5.32
